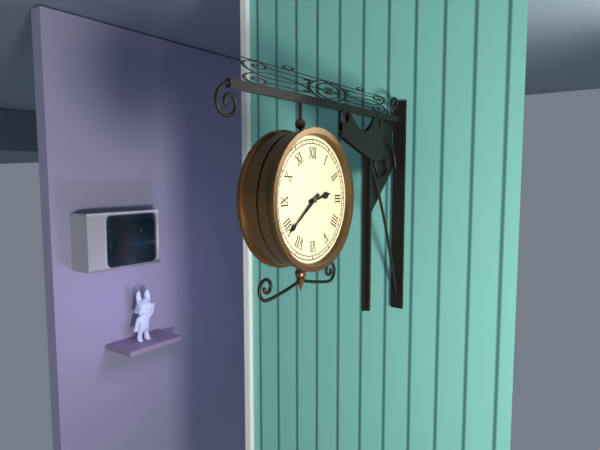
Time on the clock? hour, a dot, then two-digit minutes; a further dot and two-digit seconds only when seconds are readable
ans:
2.39
